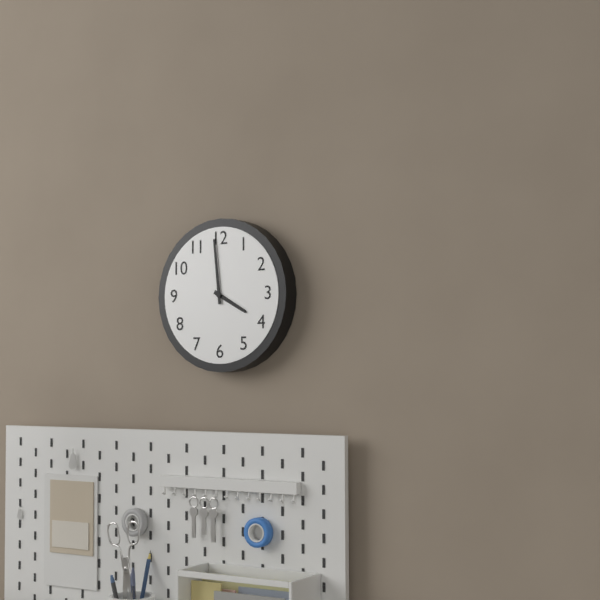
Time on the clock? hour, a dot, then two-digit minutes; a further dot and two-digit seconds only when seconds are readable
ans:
3.59
